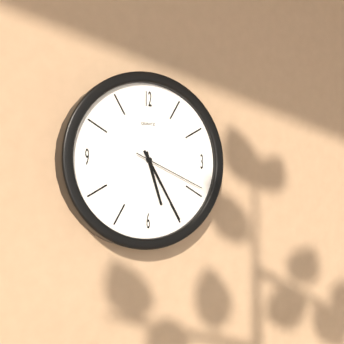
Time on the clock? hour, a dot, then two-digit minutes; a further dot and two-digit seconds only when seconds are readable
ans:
5.25.19
